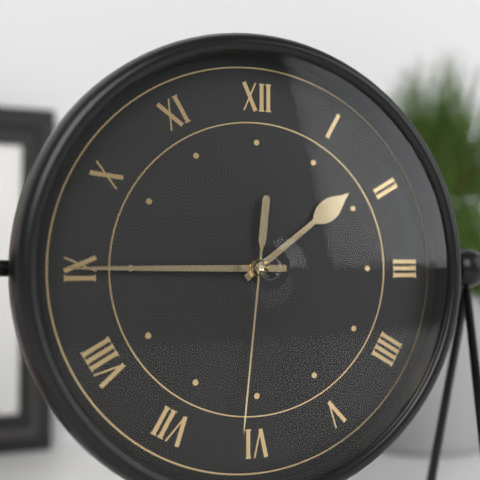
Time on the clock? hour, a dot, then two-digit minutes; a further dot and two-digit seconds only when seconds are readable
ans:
1.45.31
